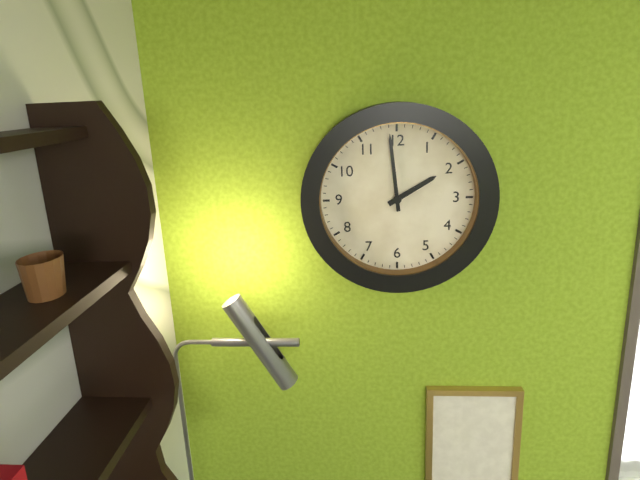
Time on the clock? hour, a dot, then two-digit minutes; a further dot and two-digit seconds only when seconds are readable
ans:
1.59
